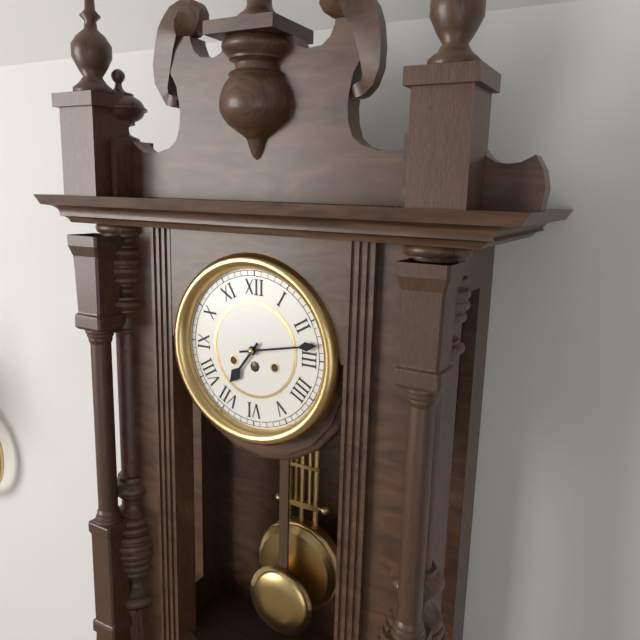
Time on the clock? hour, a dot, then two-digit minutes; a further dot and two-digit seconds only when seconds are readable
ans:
7.13
